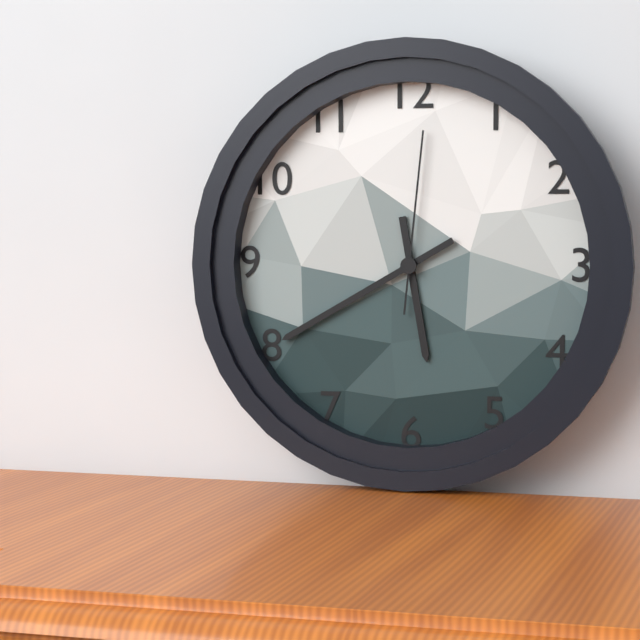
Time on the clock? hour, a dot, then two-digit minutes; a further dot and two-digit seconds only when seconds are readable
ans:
5.40.01
